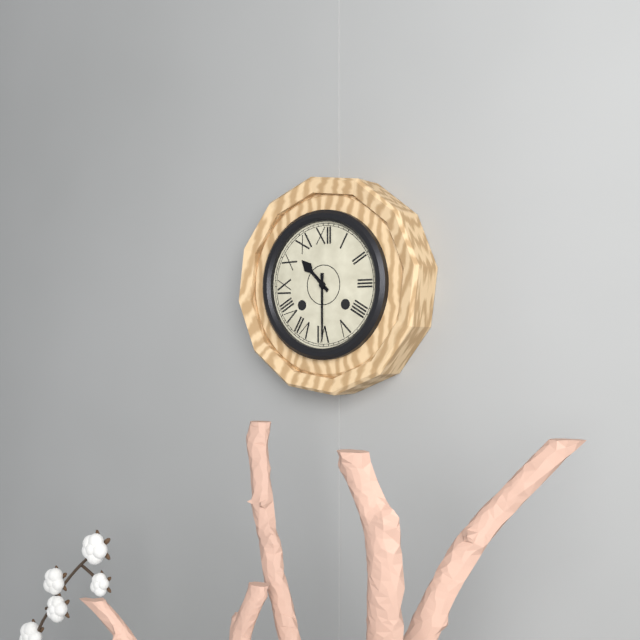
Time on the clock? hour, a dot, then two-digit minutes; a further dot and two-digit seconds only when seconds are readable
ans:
10.30
